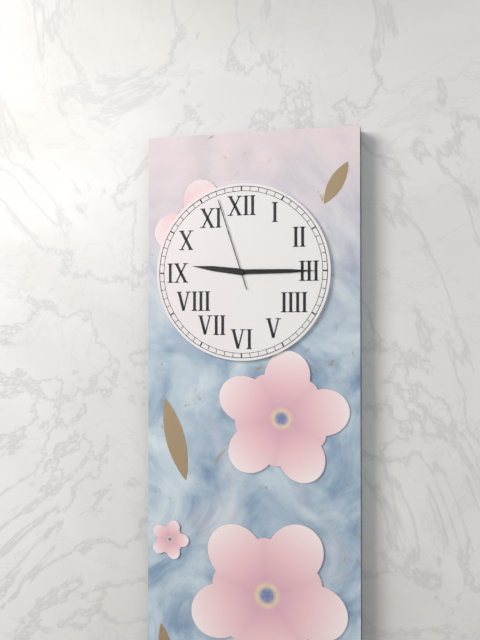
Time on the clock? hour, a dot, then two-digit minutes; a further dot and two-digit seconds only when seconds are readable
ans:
9.15.57
